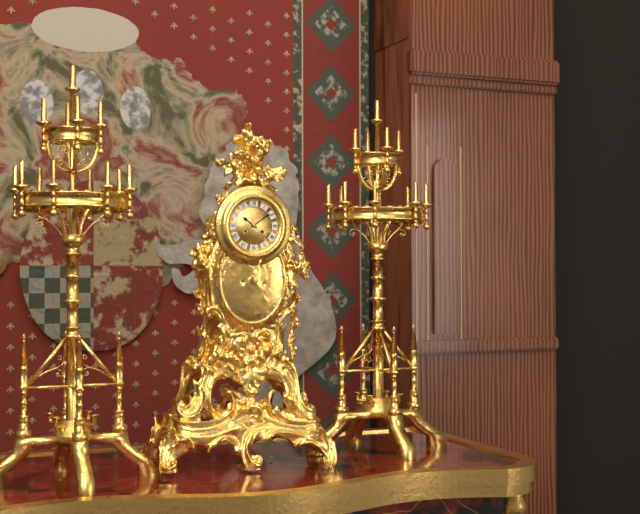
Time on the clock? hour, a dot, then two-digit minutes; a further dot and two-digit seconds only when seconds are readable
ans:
10.09
